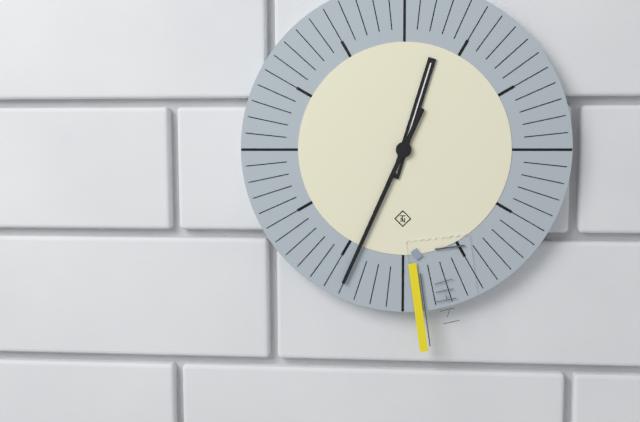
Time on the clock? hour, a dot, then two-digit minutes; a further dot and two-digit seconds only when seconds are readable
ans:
12.34
